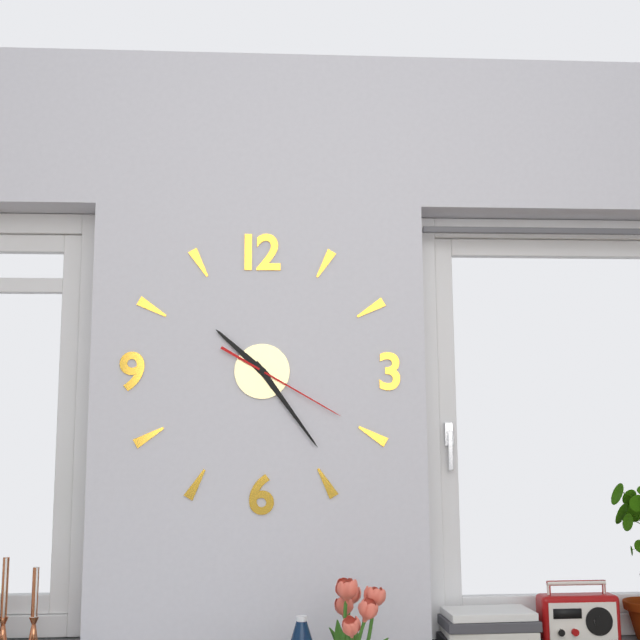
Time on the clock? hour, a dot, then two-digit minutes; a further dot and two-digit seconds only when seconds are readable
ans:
10.24.20
